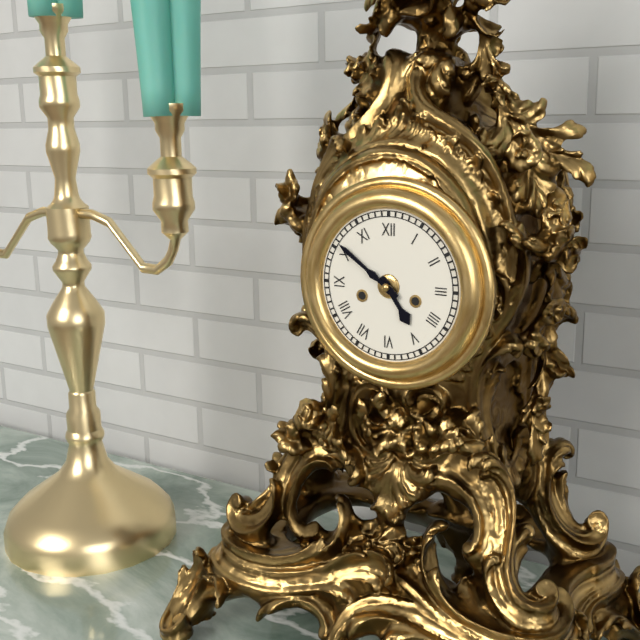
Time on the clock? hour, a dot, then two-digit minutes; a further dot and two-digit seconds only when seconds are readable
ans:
4.51
